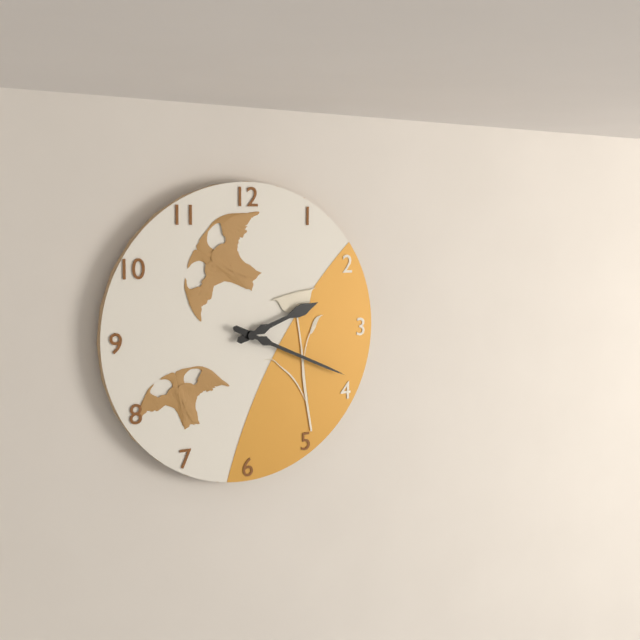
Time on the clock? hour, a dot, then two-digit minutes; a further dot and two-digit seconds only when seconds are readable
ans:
2.19
